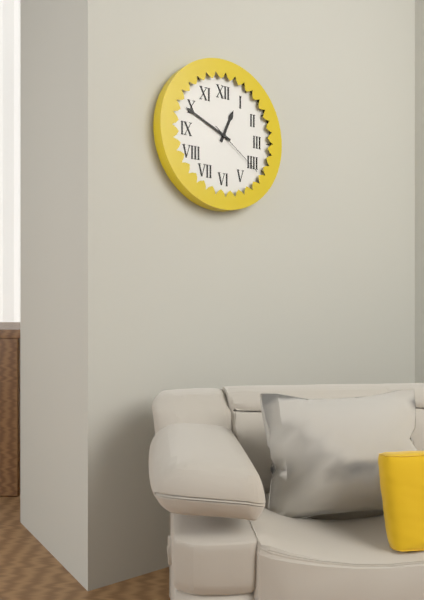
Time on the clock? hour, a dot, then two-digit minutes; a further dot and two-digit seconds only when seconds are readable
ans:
12.49.21
